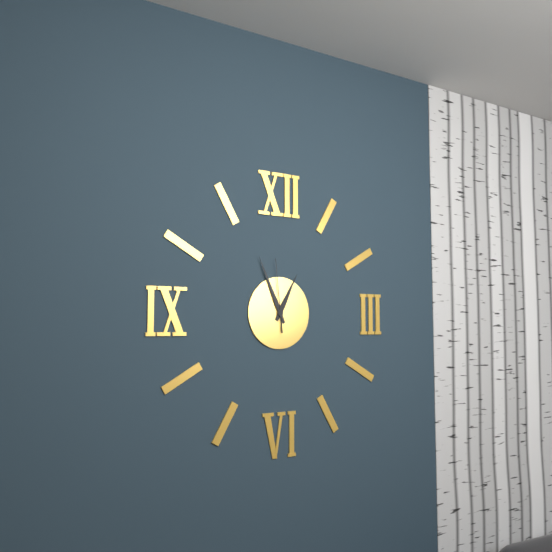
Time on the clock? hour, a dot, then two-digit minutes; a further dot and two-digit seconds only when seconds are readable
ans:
12.56.59
